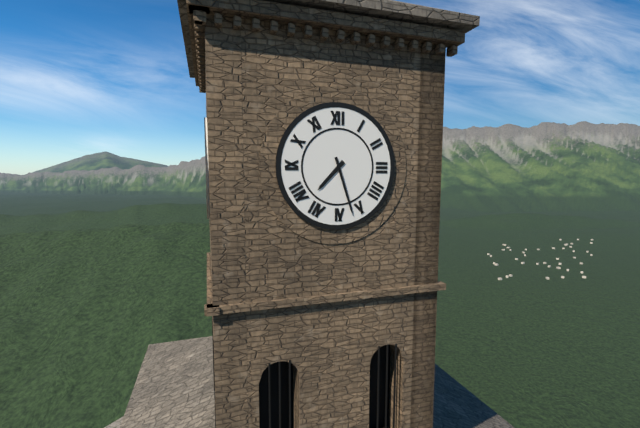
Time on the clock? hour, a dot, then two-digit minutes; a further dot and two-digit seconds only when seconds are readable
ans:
7.27
